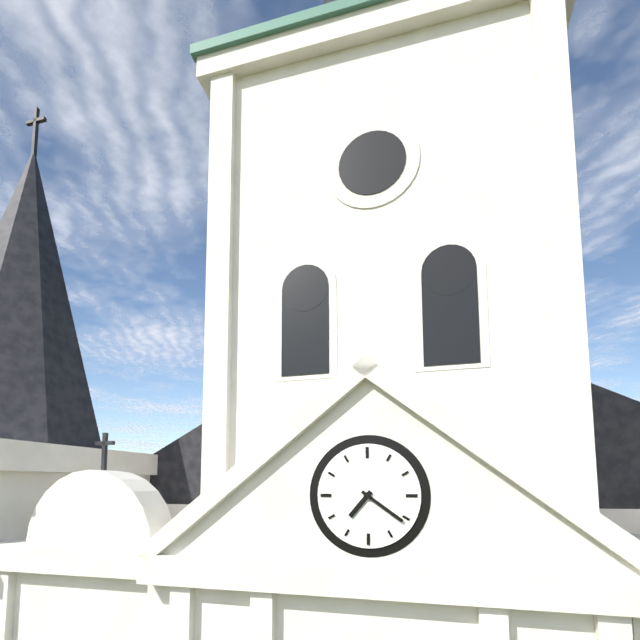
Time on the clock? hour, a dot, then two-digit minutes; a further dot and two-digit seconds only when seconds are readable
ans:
7.21
